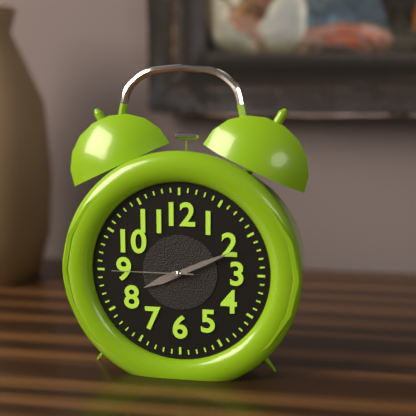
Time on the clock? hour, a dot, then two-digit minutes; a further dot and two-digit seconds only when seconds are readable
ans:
8.11.45
